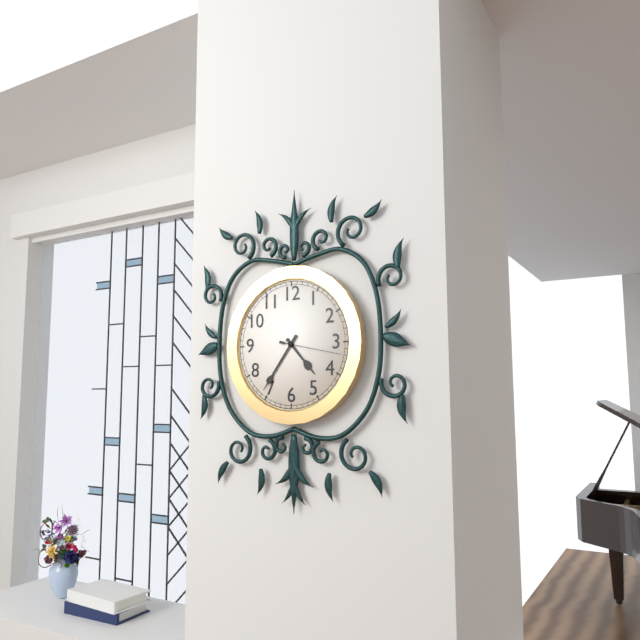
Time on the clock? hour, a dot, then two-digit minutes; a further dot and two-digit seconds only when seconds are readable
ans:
4.36.17
